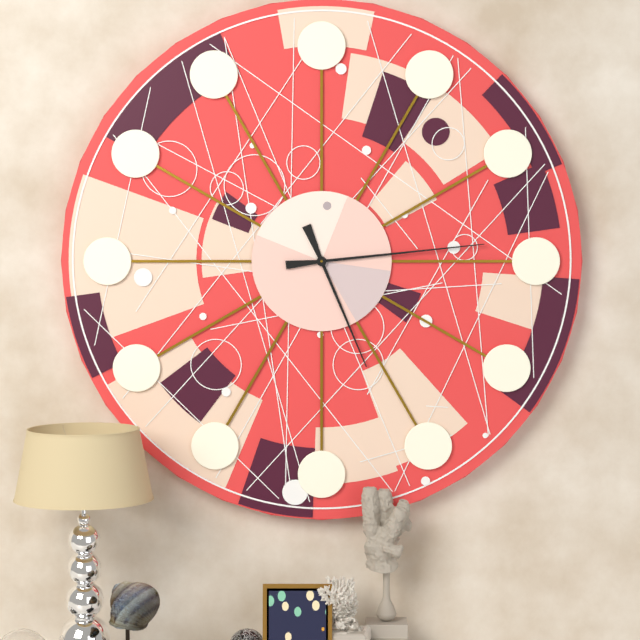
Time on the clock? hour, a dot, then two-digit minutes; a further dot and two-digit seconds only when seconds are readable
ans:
5.14
